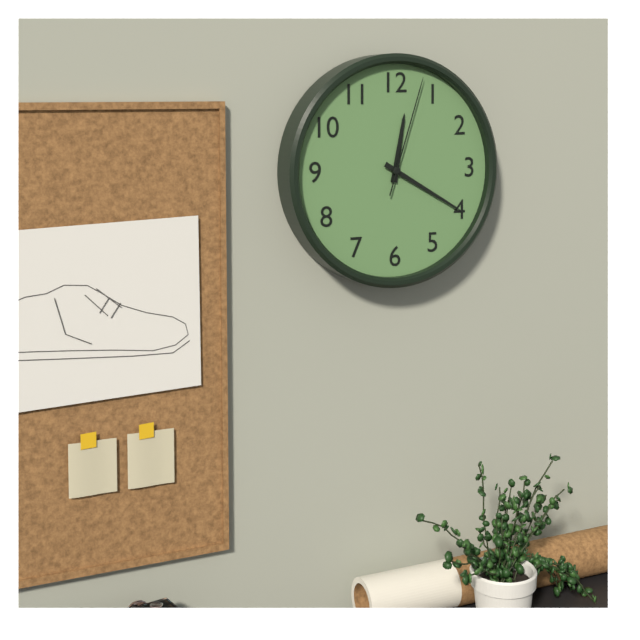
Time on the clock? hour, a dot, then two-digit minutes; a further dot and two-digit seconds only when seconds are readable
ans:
12.20.03
